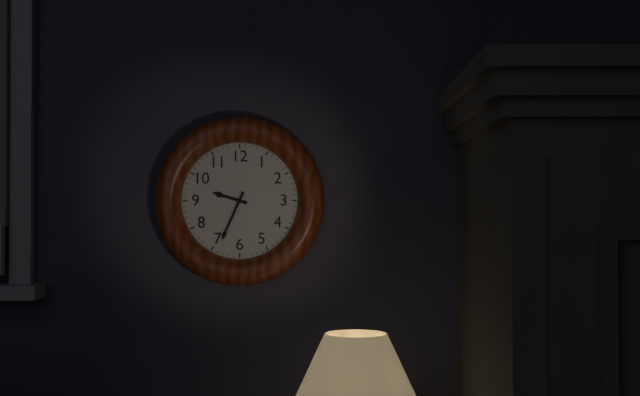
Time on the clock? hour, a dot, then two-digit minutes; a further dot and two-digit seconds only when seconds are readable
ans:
9.34
